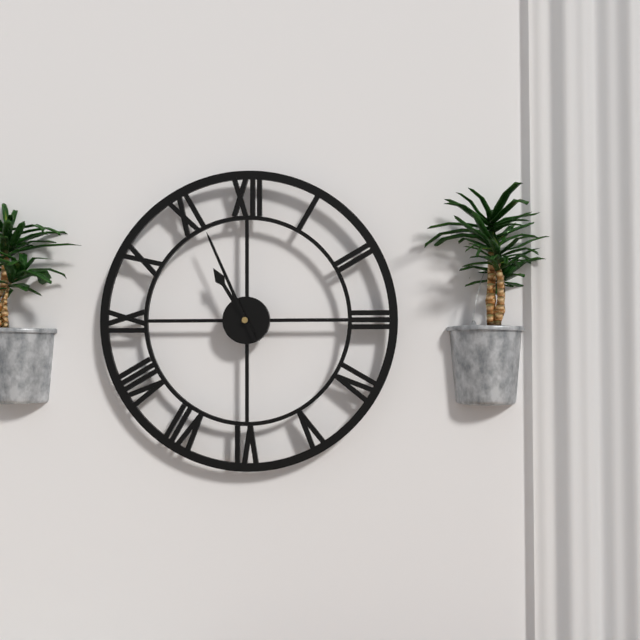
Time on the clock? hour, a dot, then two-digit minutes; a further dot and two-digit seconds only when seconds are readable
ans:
10.56
